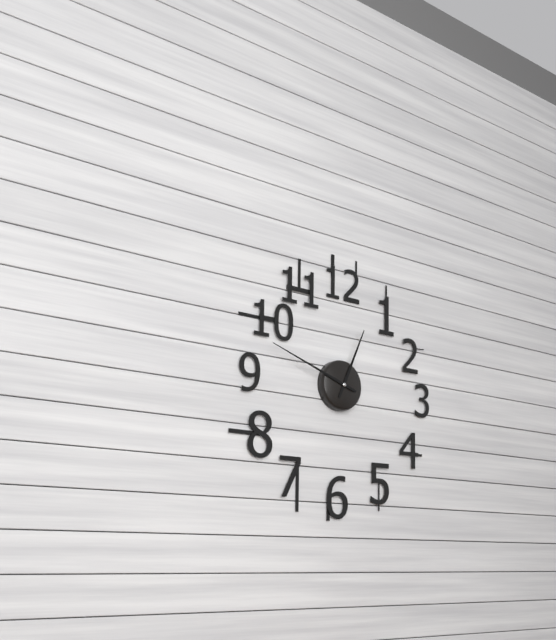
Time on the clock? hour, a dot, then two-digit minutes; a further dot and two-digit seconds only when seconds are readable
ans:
12.48
